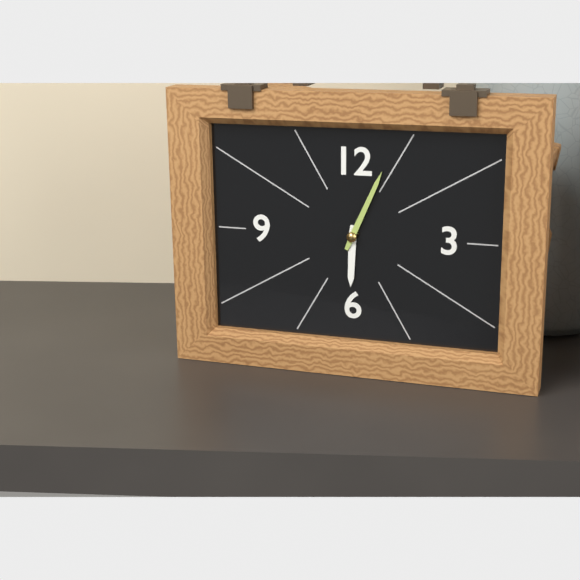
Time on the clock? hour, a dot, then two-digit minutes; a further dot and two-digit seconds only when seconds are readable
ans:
6.04
